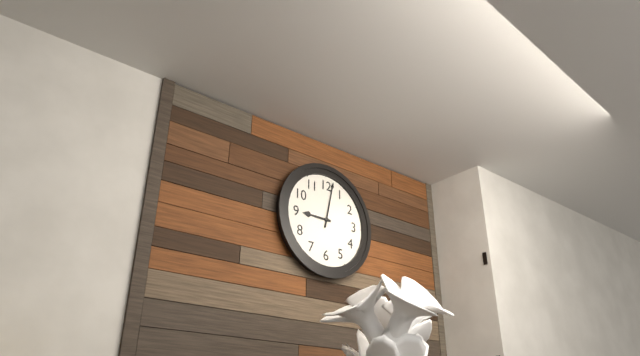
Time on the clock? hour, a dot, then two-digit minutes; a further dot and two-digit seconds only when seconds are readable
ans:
9.02
